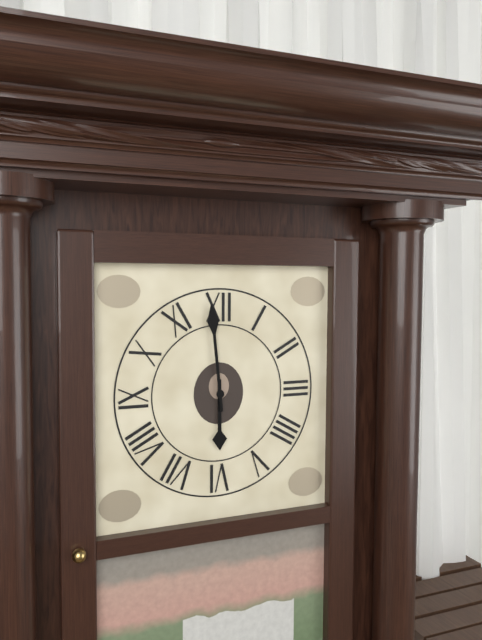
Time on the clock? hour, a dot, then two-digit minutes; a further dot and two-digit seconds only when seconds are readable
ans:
5.59
